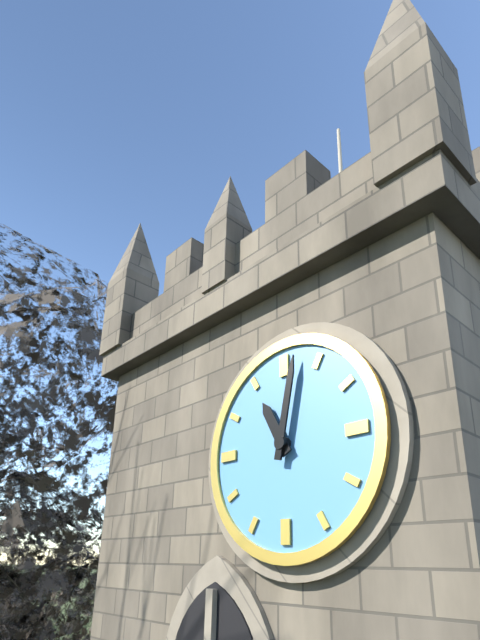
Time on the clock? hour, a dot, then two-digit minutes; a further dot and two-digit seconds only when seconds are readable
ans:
11.02
